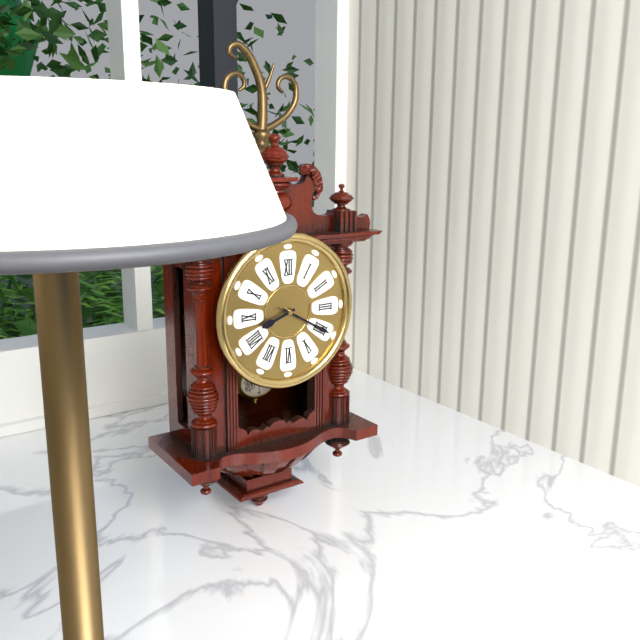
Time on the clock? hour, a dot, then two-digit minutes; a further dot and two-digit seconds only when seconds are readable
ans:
8.20
